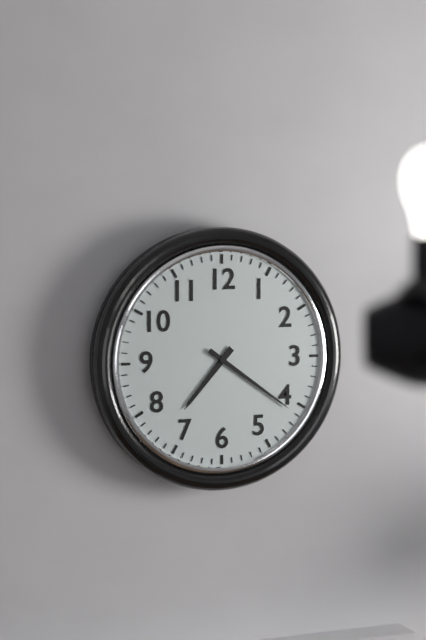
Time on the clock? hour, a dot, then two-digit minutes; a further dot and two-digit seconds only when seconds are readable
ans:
7.21
